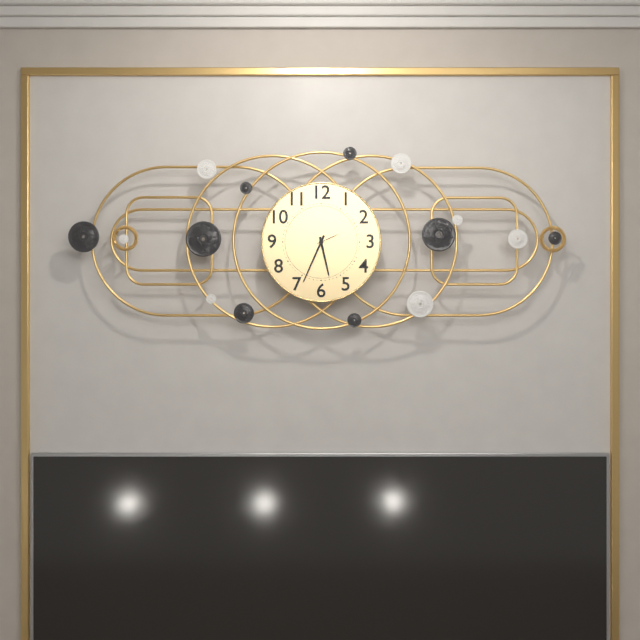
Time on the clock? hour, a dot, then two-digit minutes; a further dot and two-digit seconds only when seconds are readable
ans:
5.34
